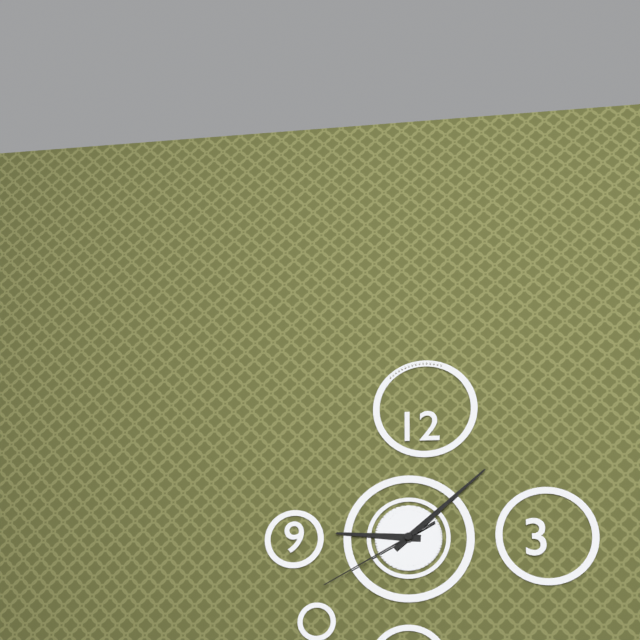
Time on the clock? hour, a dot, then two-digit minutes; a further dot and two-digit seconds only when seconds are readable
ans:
9.08.40
